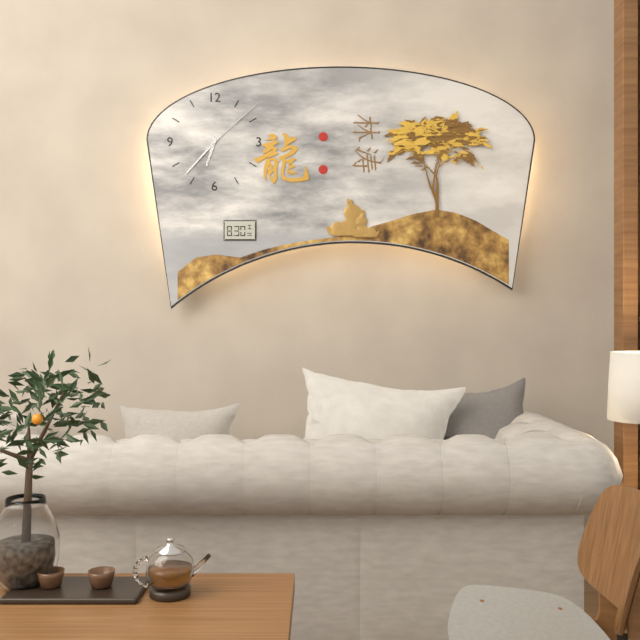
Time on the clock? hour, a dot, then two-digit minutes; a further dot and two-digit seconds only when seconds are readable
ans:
6.37.08
